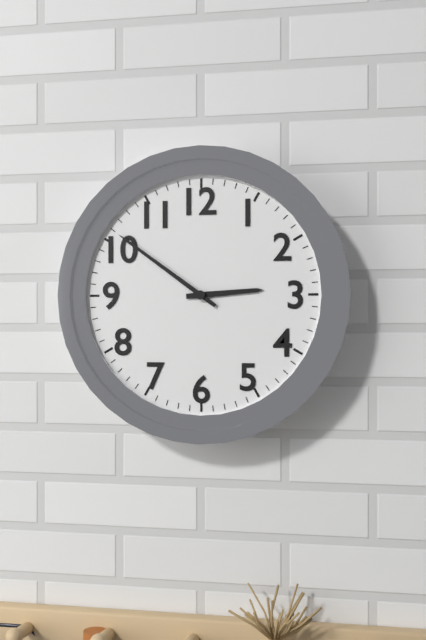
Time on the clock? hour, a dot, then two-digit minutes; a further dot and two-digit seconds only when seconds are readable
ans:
2.51
